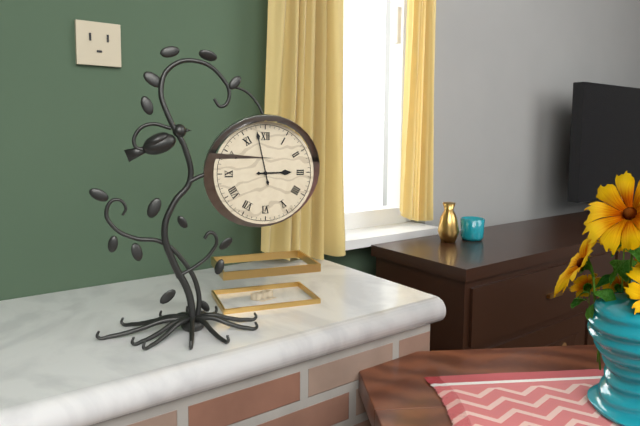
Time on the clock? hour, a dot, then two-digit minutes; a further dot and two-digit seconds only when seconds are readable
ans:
2.58
